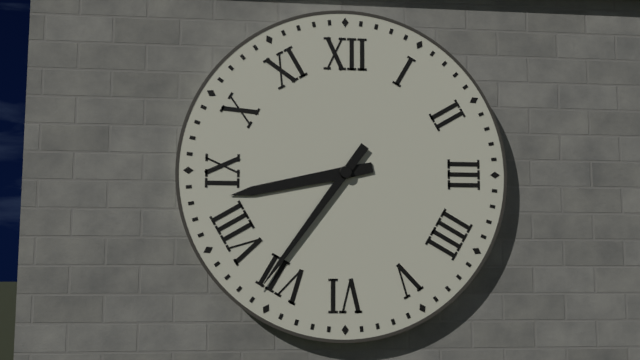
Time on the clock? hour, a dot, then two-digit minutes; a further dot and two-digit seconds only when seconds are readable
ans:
8.36
